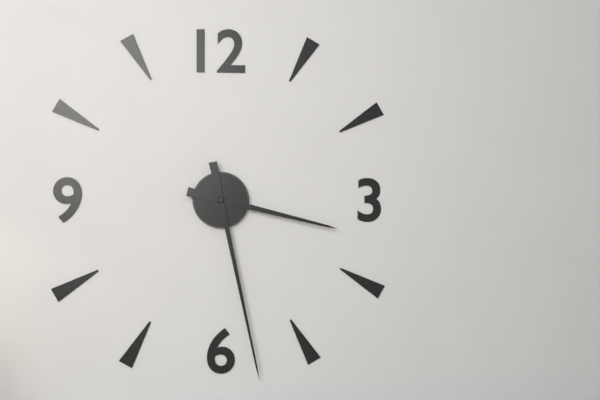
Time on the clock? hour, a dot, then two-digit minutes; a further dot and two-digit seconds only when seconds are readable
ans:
3.28
